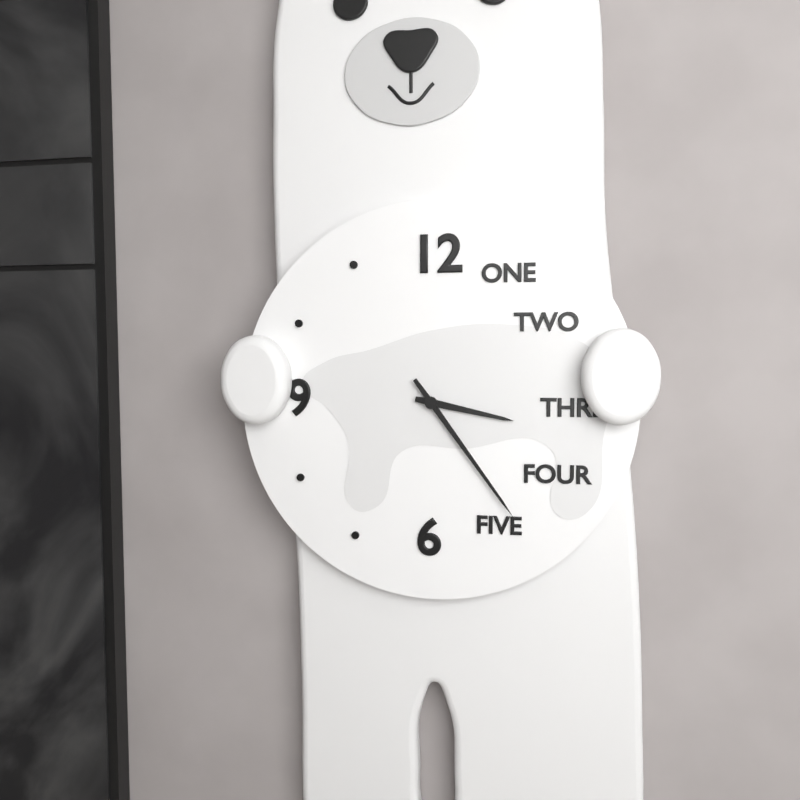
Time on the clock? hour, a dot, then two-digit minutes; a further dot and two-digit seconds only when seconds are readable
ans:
3.24
